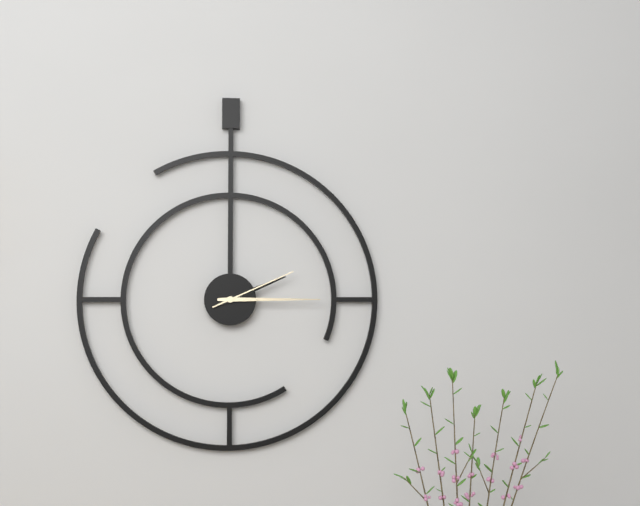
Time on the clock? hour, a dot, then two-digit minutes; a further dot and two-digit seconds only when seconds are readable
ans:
2.15.11
